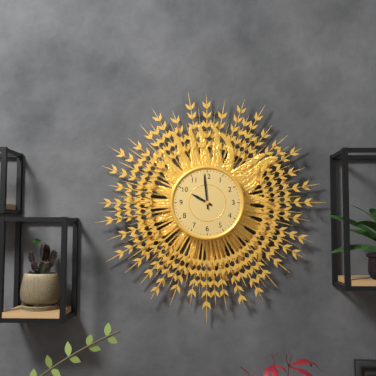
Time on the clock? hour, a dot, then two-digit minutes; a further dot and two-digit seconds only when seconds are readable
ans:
9.59
